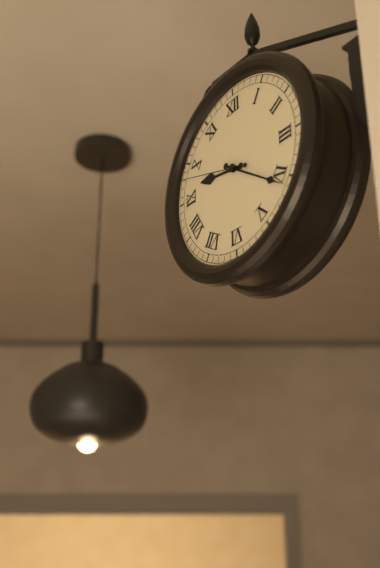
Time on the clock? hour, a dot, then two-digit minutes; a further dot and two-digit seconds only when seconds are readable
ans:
9.21.48
